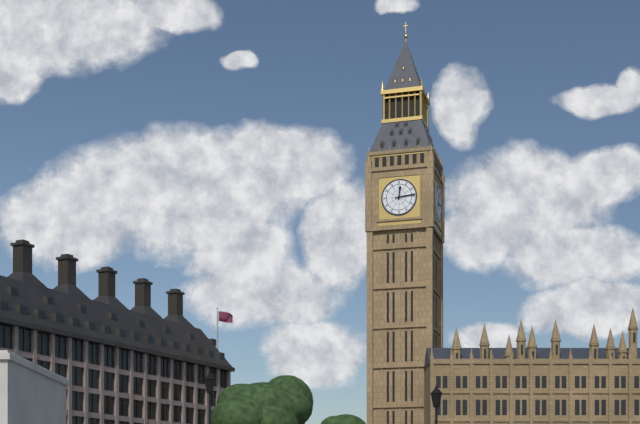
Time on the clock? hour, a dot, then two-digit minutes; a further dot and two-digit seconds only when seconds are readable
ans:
12.14
